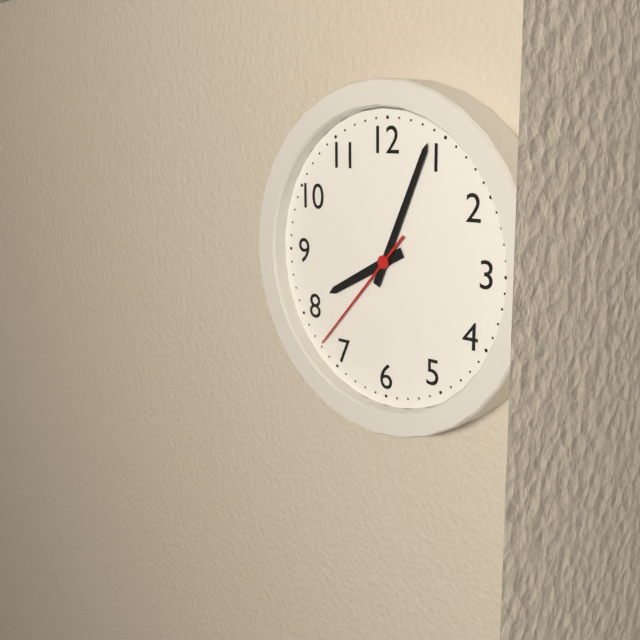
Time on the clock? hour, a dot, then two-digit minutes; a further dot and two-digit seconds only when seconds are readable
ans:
8.04.37
